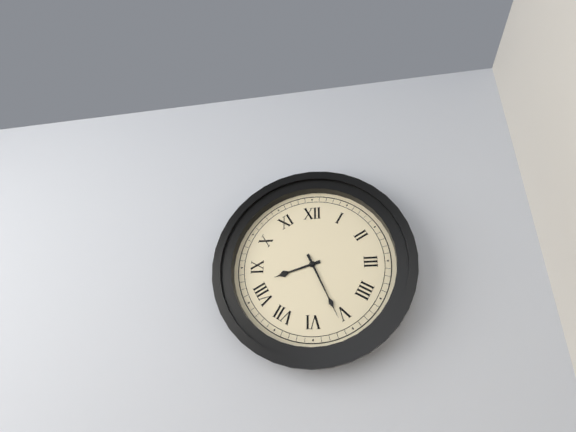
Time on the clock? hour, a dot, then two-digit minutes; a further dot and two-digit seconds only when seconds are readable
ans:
8.26
